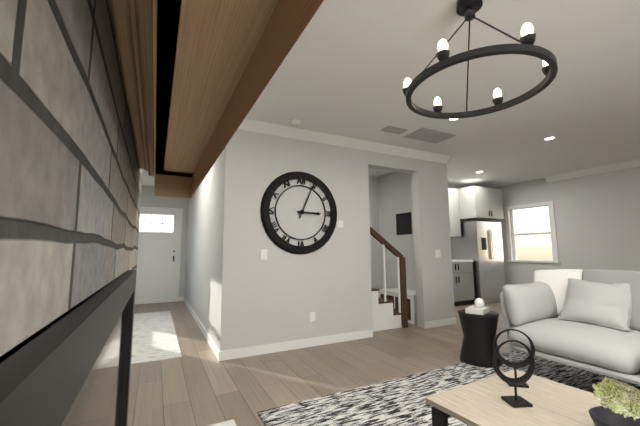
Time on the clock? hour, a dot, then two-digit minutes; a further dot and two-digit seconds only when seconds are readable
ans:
3.04
